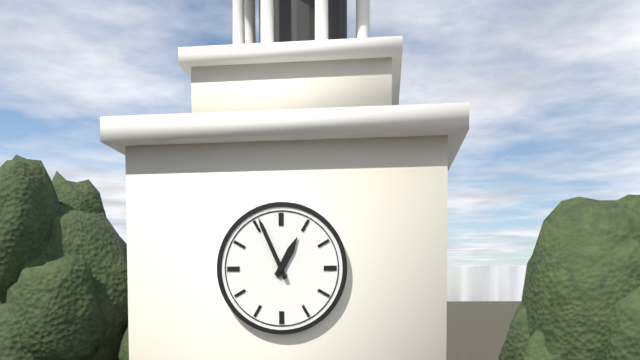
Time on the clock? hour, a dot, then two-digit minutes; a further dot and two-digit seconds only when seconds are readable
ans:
12.56
